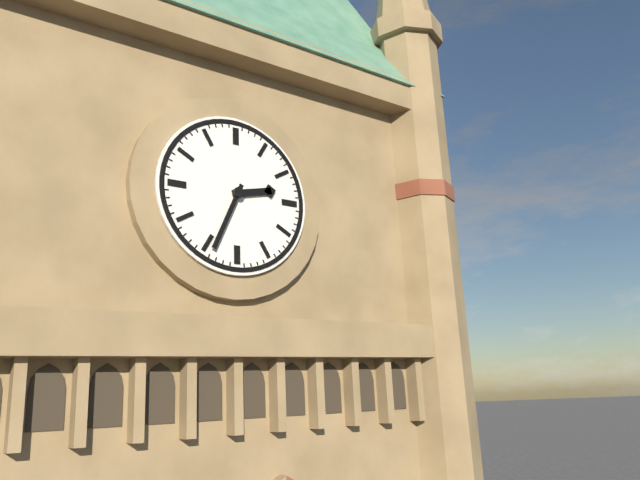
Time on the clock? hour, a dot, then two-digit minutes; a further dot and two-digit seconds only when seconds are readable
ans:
2.34
